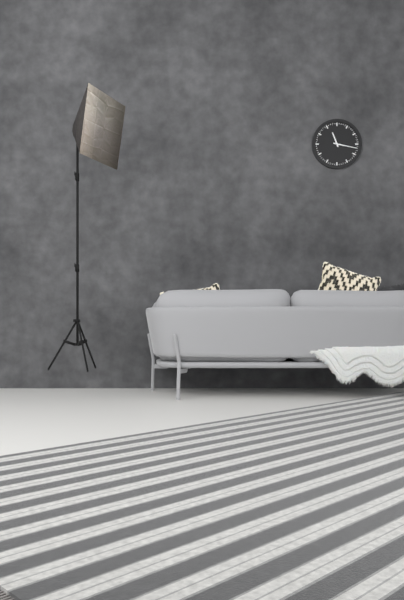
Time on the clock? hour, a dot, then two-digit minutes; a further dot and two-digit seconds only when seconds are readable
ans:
11.17
